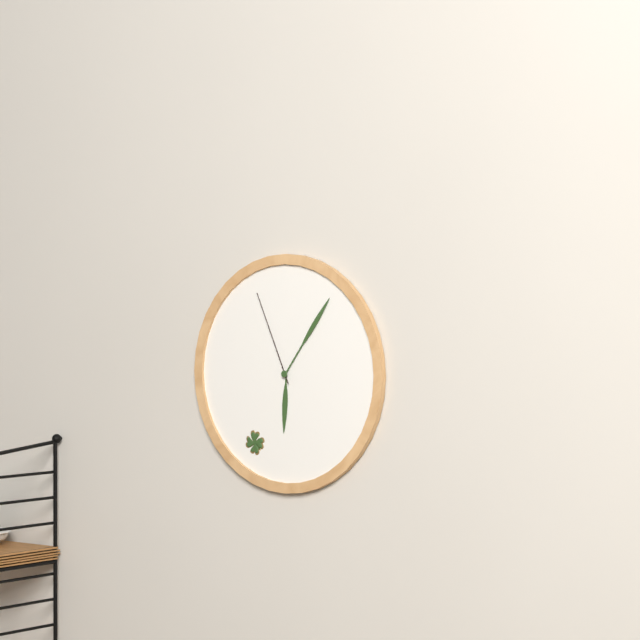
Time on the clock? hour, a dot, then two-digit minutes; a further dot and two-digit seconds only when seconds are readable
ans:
6.06.56
